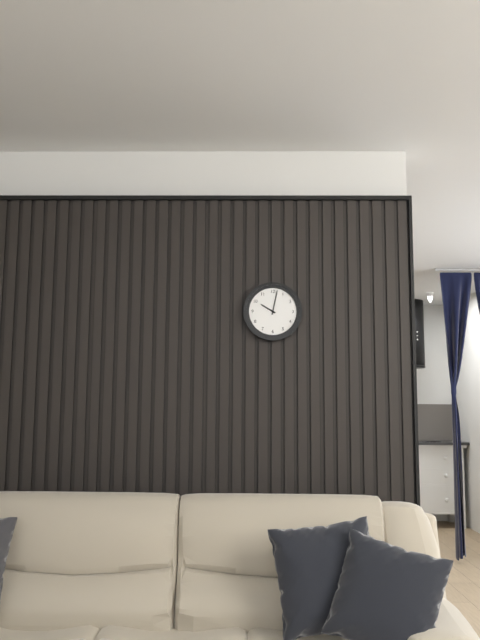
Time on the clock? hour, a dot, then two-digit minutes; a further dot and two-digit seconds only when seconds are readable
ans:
10.02
